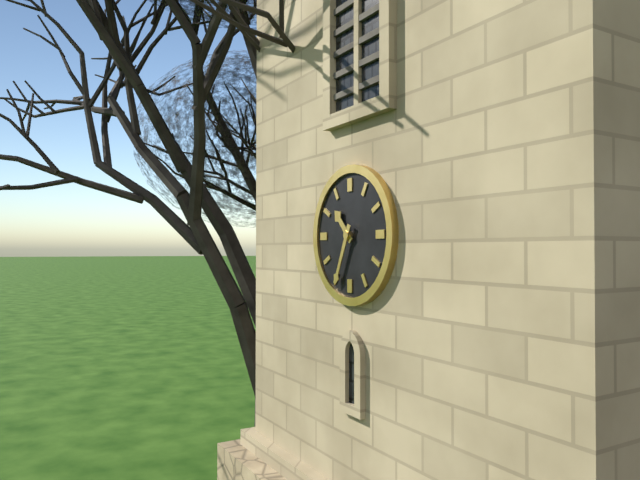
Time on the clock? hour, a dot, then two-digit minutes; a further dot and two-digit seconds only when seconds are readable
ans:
10.34
